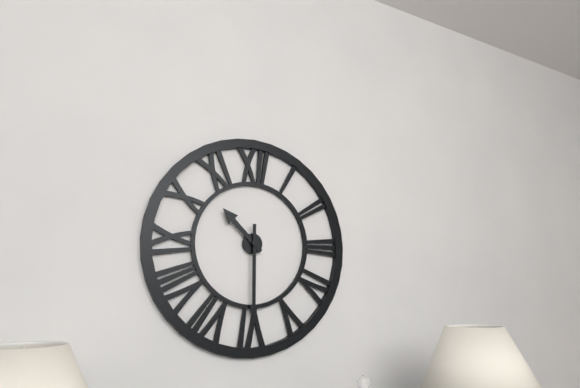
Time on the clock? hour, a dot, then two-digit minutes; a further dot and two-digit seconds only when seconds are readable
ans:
10.30
